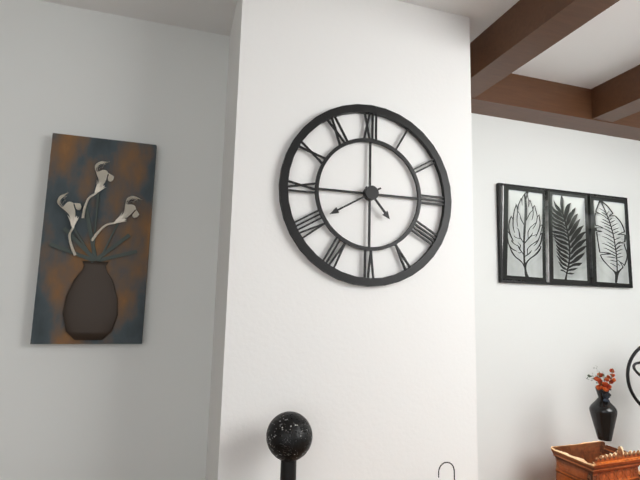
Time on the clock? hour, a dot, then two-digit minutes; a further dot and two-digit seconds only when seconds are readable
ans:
4.40
